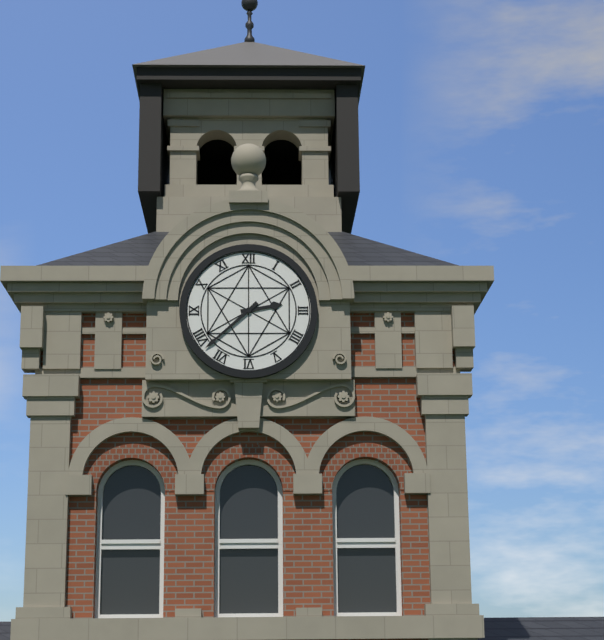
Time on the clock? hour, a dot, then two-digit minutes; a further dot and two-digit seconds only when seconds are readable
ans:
2.38
